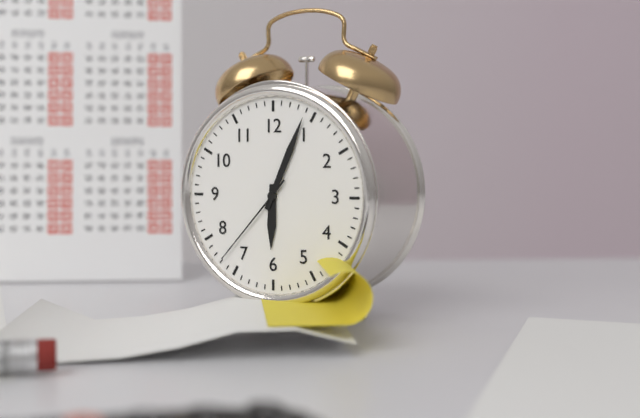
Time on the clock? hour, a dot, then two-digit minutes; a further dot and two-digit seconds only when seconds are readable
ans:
6.04.37
